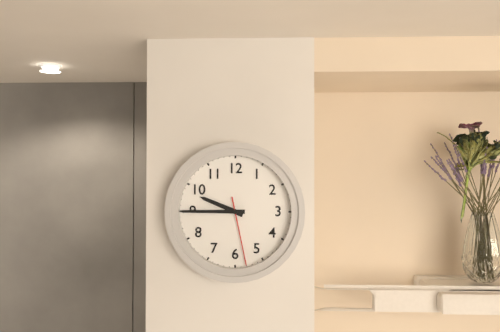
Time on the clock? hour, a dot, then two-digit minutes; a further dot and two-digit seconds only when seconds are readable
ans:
9.45.28
